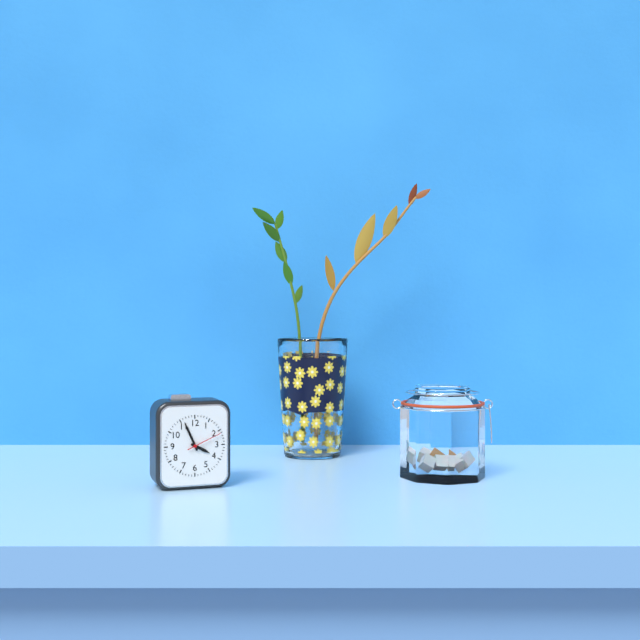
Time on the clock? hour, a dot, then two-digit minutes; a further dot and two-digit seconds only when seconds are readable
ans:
3.56
